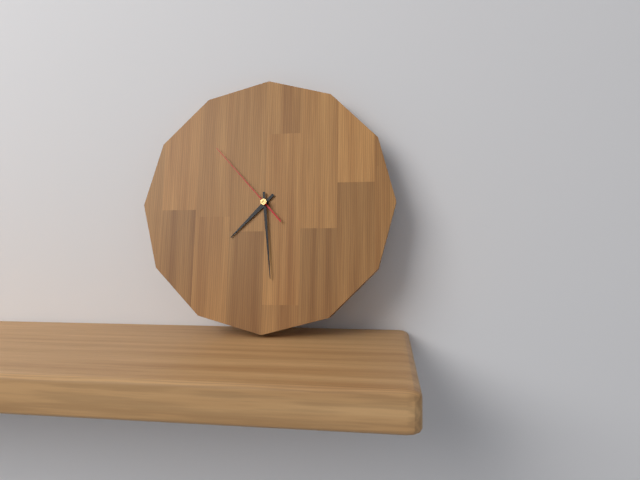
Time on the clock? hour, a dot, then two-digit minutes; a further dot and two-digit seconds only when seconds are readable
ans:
7.29.53
